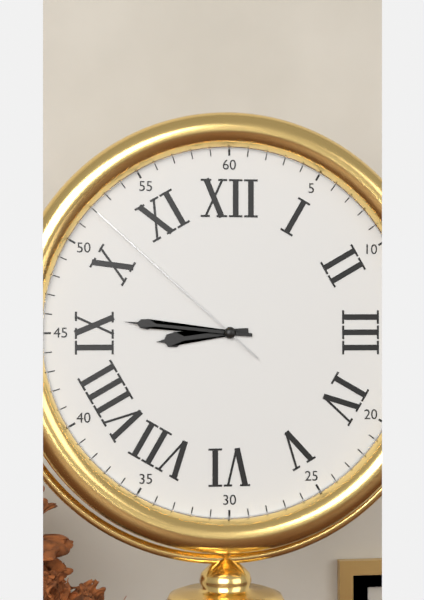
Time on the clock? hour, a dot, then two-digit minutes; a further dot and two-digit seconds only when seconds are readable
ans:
8.46.52
